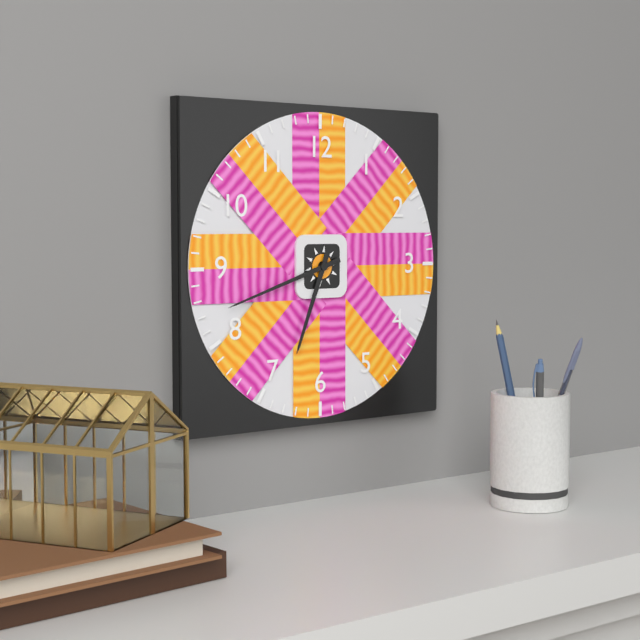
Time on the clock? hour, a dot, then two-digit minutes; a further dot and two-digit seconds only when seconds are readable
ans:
6.42
